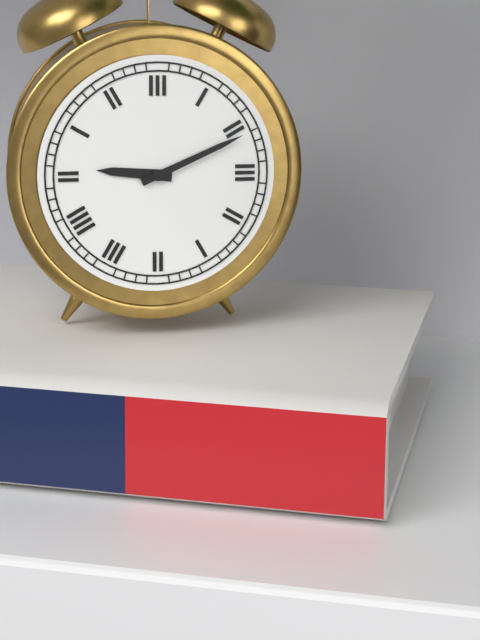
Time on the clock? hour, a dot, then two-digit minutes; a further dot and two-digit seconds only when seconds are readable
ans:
9.11
